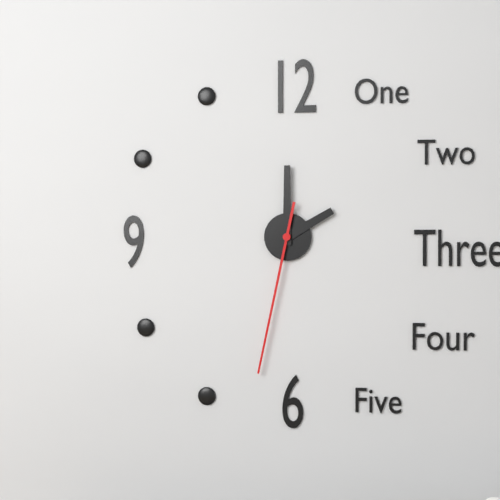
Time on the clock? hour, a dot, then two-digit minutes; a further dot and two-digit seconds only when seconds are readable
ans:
2.00.32
